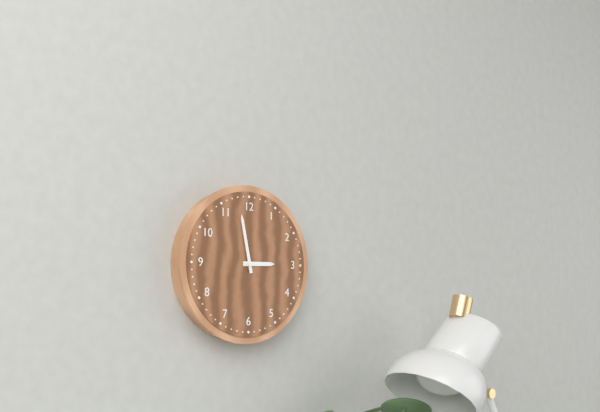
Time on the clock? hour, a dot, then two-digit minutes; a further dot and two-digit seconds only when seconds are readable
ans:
2.58
